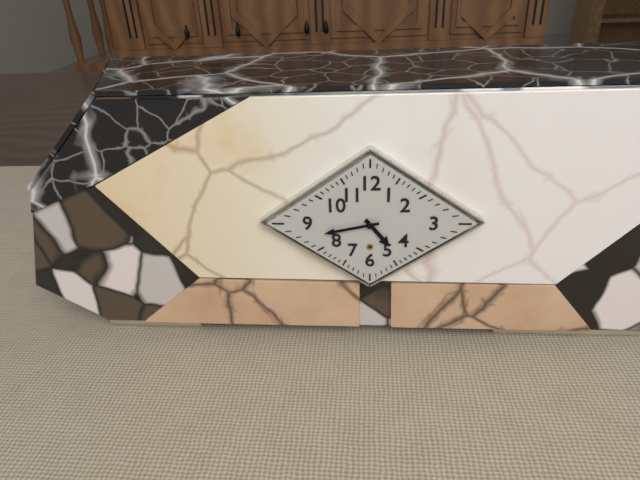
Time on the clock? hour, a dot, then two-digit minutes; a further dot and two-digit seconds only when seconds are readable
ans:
4.43
